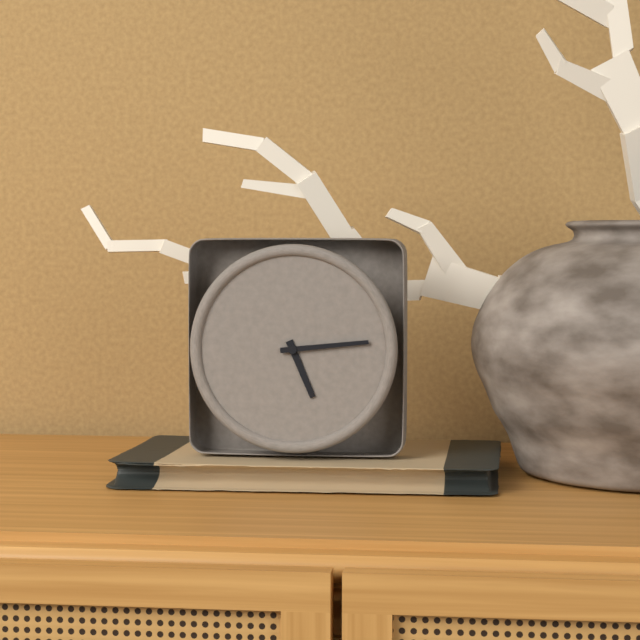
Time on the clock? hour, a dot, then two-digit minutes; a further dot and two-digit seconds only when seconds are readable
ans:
5.14
